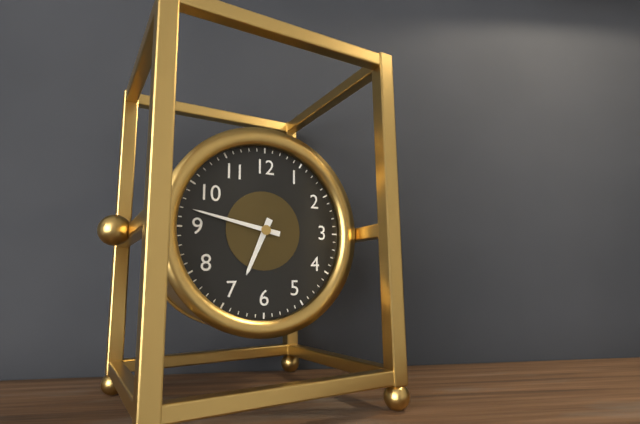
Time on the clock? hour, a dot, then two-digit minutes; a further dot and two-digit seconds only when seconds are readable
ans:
6.47
